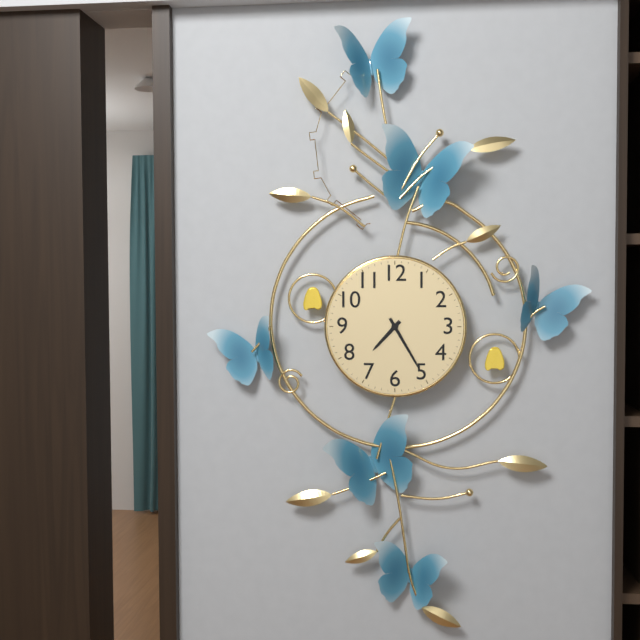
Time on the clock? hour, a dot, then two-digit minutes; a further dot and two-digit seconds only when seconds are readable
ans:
7.25
